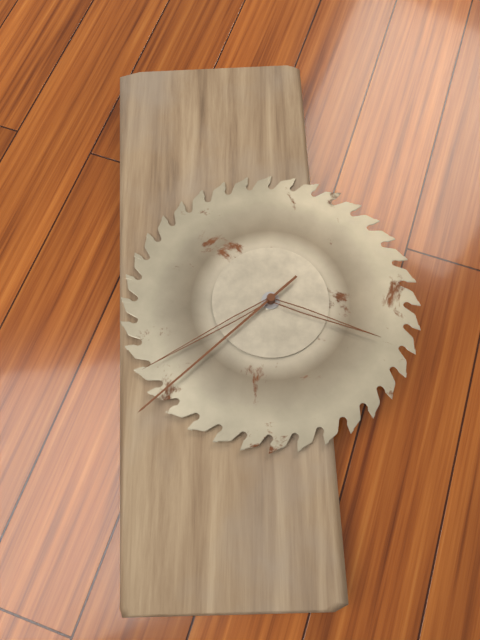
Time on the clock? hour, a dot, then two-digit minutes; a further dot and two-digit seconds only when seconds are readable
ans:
3.40.38
